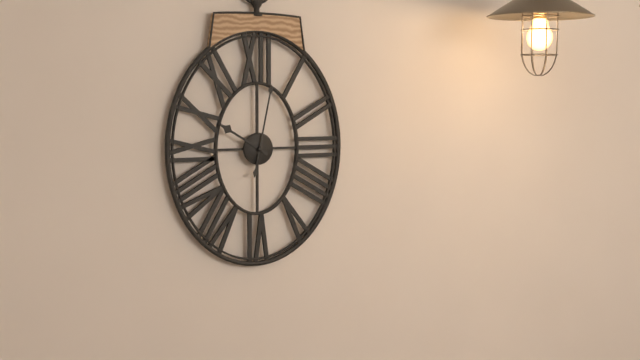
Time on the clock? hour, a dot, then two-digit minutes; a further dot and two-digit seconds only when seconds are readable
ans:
10.02
